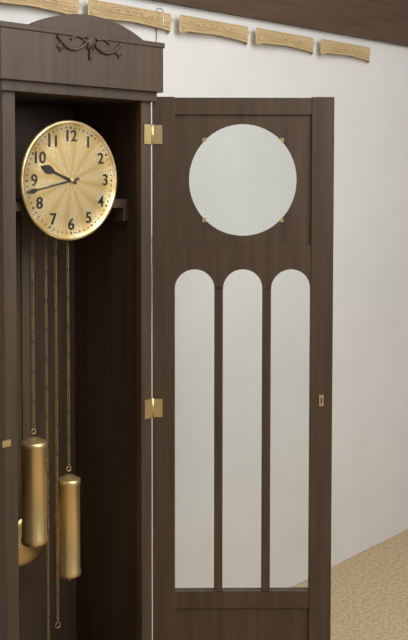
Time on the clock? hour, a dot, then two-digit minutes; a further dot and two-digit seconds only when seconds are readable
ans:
9.43
